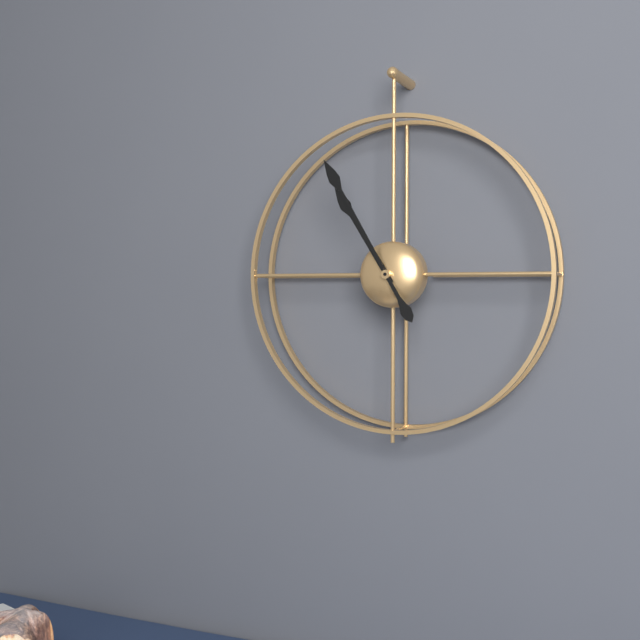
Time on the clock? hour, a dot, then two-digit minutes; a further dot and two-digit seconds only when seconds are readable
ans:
10.55
